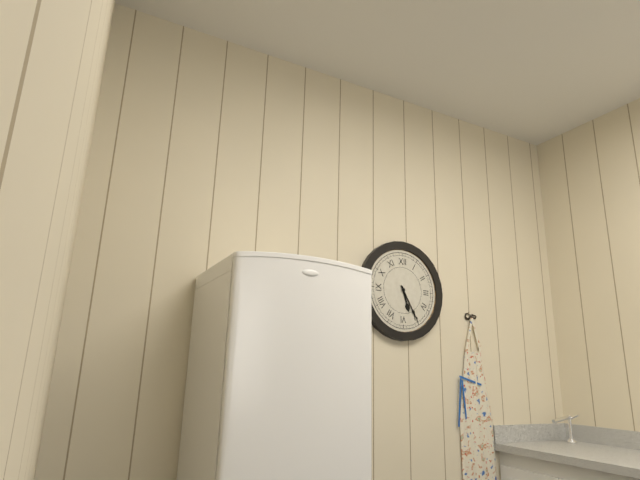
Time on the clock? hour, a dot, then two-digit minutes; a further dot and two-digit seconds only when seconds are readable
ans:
5.25
